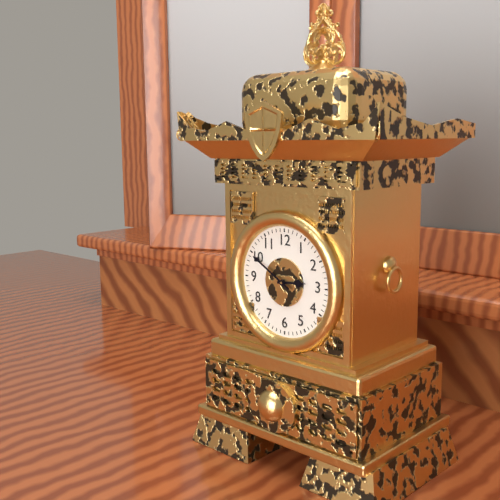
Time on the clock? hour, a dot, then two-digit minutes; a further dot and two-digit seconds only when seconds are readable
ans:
2.50
